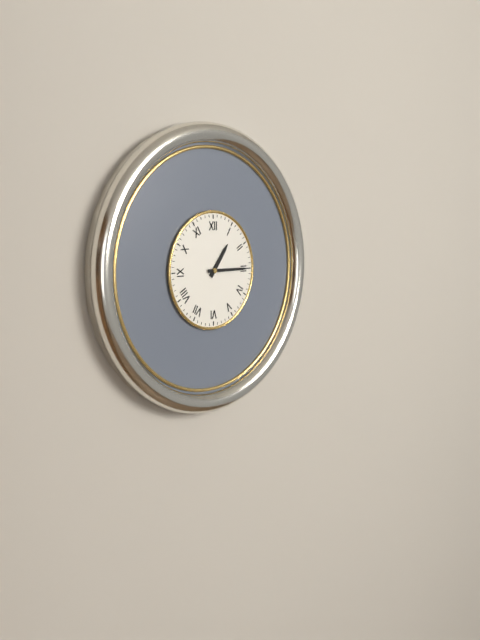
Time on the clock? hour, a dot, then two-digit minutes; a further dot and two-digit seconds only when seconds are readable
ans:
1.15
